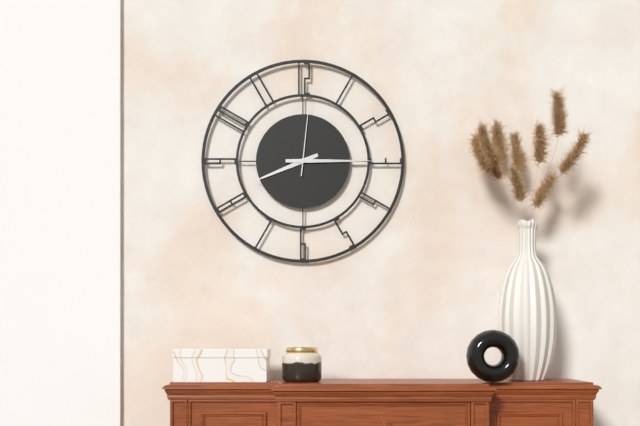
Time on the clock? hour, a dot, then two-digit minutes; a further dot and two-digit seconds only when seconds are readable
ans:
8.15.01
